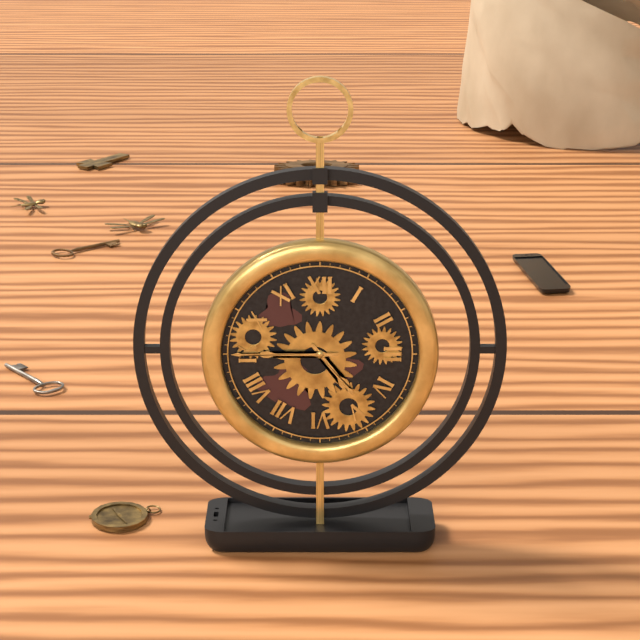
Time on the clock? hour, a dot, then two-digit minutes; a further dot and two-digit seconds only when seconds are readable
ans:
4.45
